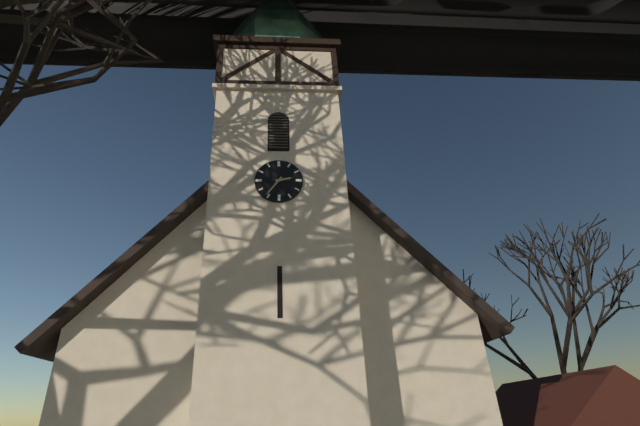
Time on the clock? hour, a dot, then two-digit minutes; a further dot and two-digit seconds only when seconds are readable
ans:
2.36
